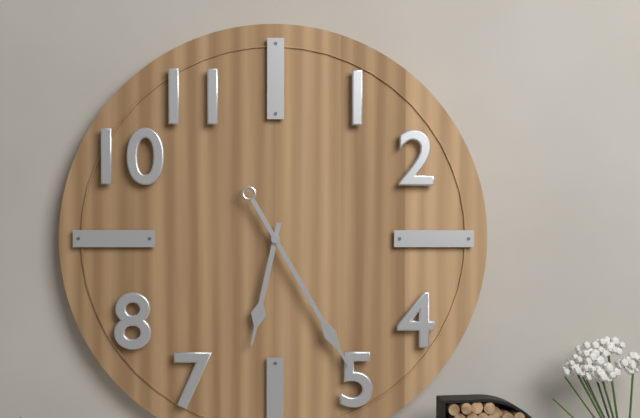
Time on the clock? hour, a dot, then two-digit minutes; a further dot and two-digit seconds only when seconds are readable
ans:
6.25
